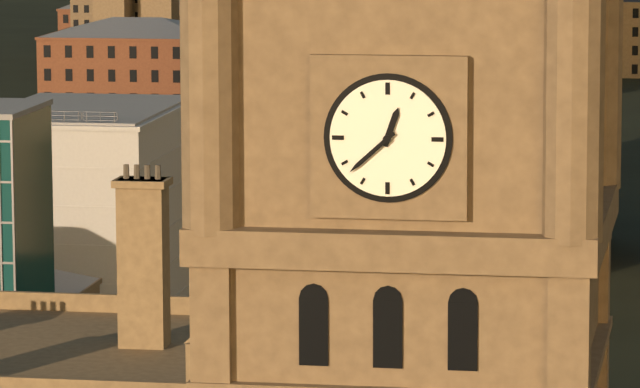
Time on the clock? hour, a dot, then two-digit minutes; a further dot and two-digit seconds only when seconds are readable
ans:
12.38
